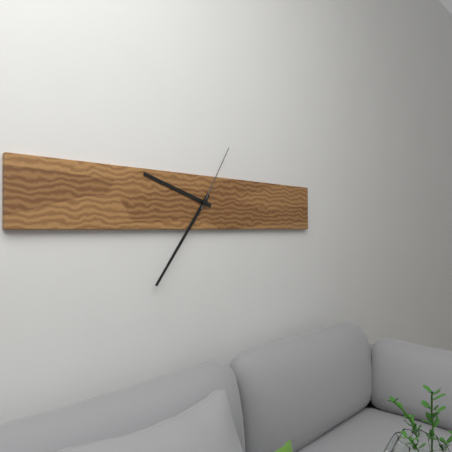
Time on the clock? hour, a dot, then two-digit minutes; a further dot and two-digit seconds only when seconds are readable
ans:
9.36.05
